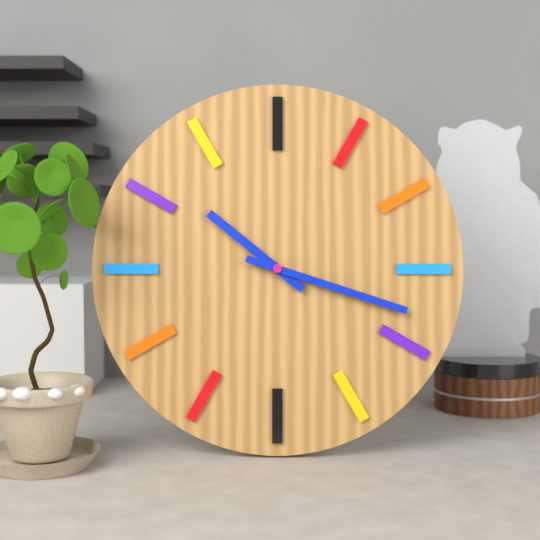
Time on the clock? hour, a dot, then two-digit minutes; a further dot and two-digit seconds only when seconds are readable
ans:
10.18
